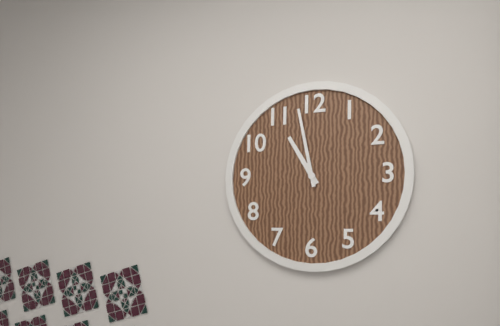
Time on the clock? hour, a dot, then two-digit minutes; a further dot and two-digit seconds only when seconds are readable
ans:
10.58
